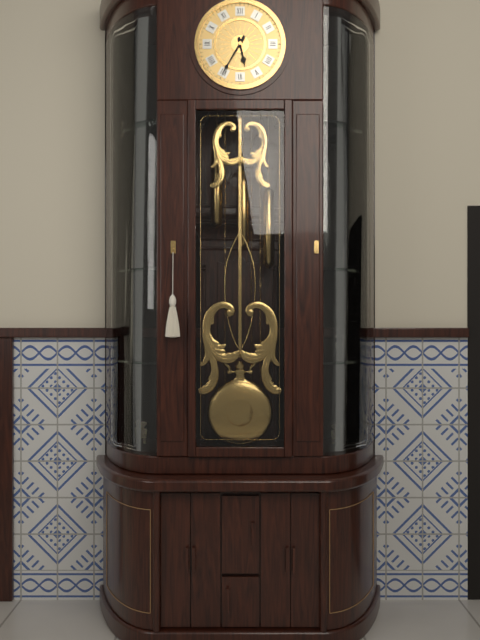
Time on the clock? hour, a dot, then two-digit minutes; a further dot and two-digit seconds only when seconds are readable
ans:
5.35
